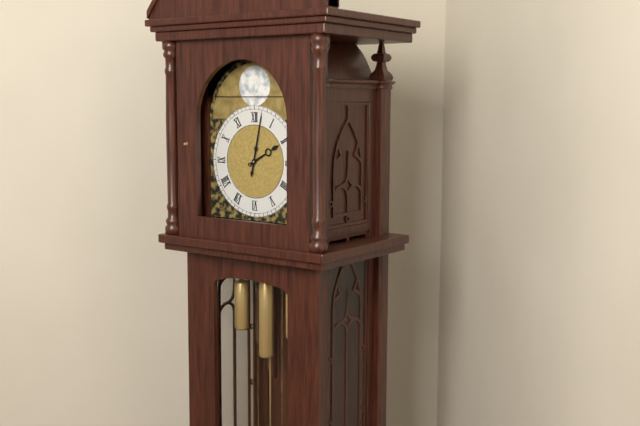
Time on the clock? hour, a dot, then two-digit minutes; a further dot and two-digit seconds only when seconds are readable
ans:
2.02
